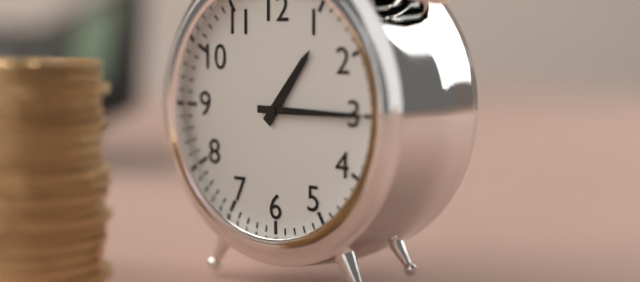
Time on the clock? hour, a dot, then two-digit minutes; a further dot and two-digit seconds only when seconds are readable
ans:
1.15
